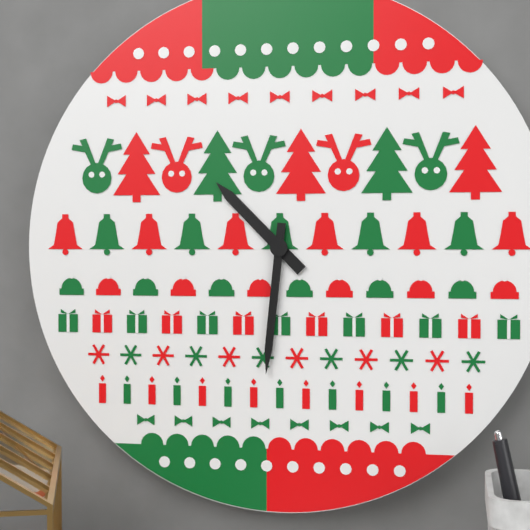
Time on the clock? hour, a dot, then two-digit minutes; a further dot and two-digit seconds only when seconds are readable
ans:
10.31
